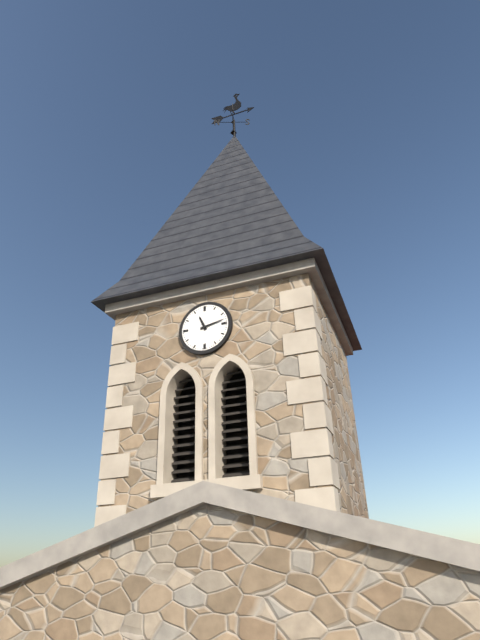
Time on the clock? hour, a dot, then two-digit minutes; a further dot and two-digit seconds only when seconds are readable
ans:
11.13
